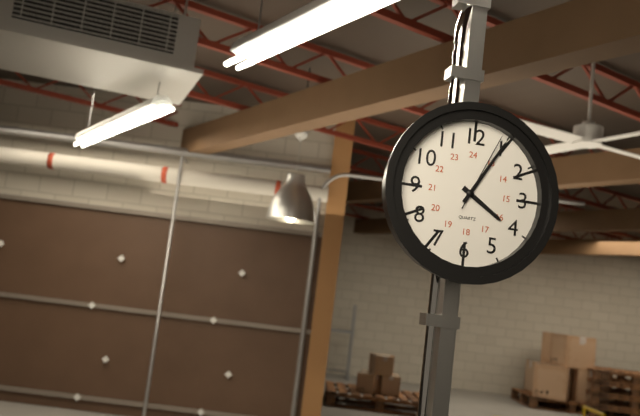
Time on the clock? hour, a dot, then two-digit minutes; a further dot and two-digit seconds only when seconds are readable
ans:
4.05.04
